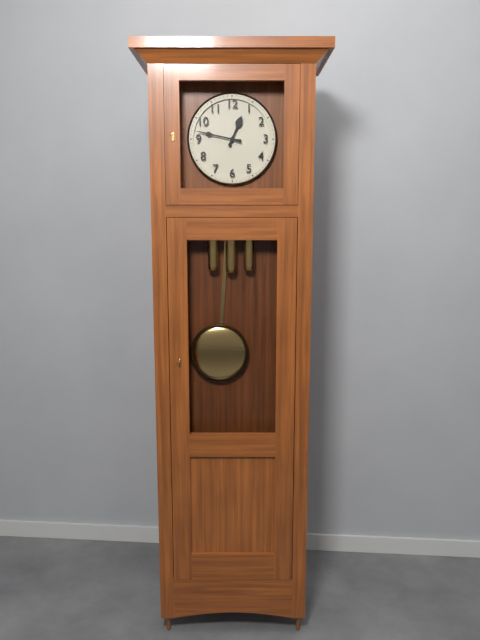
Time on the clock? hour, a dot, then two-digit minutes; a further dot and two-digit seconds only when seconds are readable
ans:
12.47
